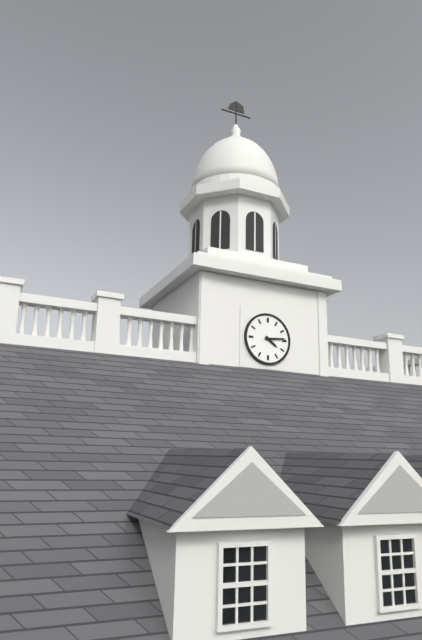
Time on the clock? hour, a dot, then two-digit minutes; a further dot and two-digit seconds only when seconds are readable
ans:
4.14
